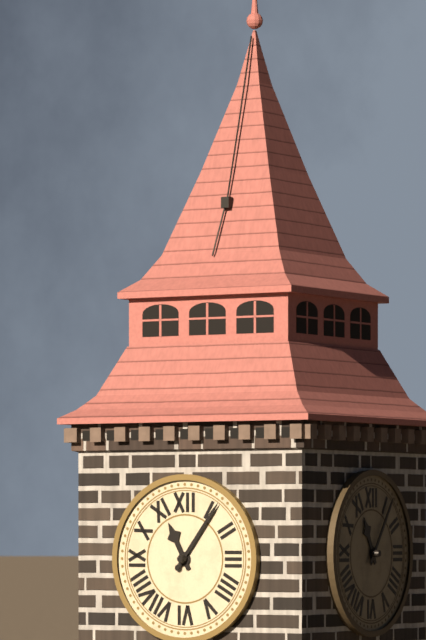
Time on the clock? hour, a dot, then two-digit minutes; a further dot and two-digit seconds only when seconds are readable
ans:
11.06
